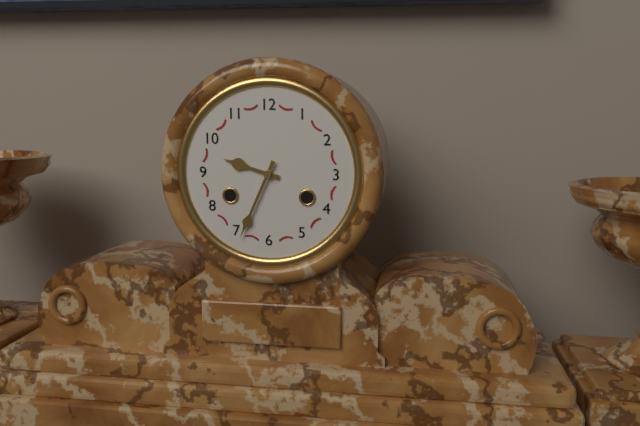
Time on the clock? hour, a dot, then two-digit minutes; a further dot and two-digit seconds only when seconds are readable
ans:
9.34
